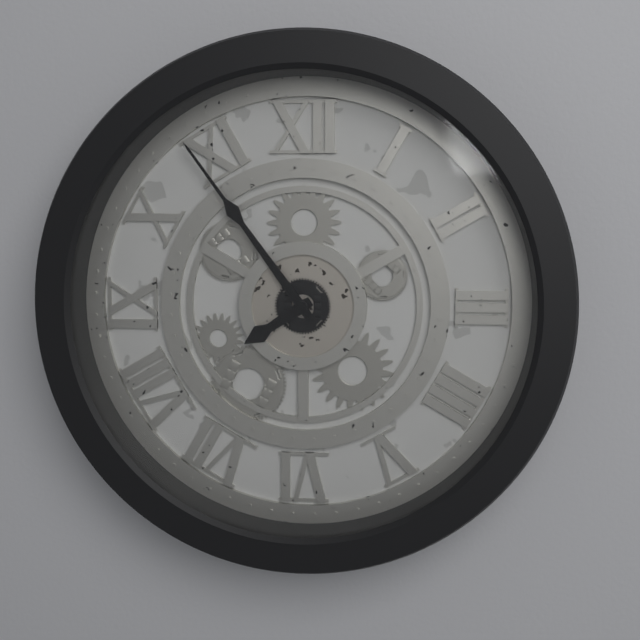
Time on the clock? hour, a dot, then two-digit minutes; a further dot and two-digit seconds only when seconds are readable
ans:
7.54
